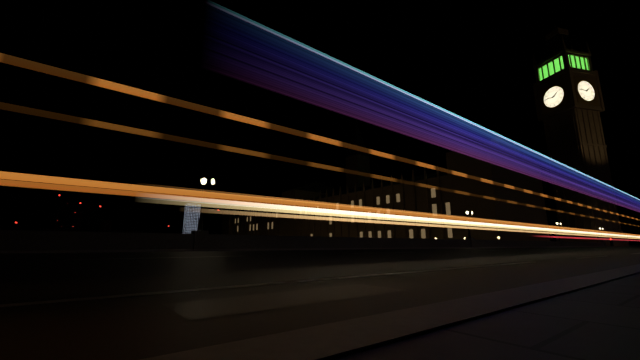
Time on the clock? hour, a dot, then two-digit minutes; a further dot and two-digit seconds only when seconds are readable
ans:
1.46
